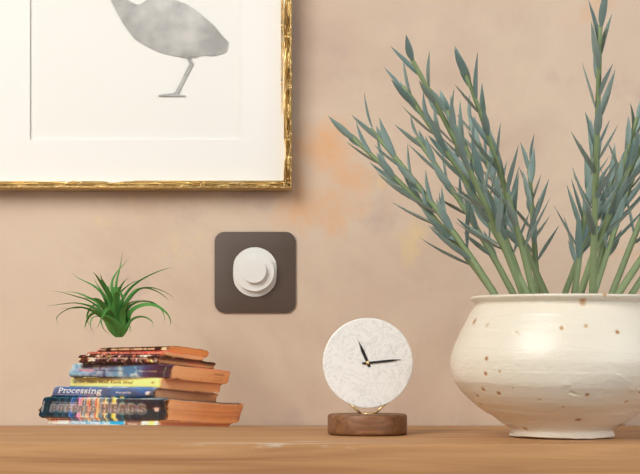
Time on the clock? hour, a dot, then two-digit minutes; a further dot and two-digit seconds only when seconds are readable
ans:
11.14
